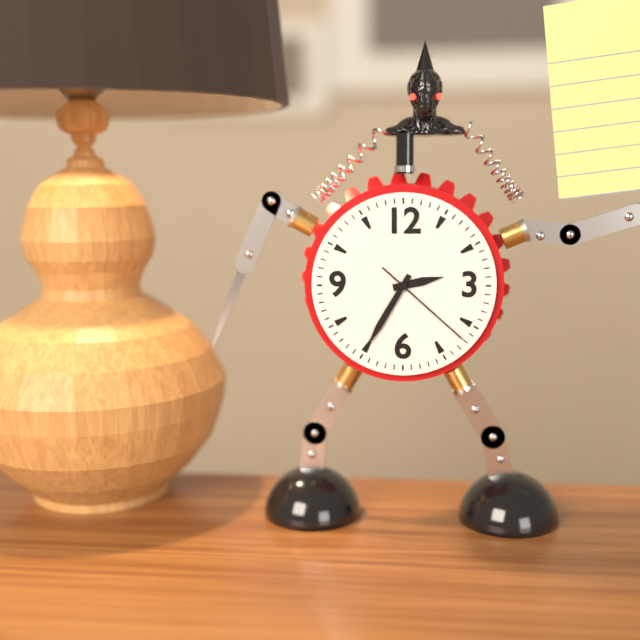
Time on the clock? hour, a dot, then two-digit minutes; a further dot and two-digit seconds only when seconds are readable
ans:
2.35.22
